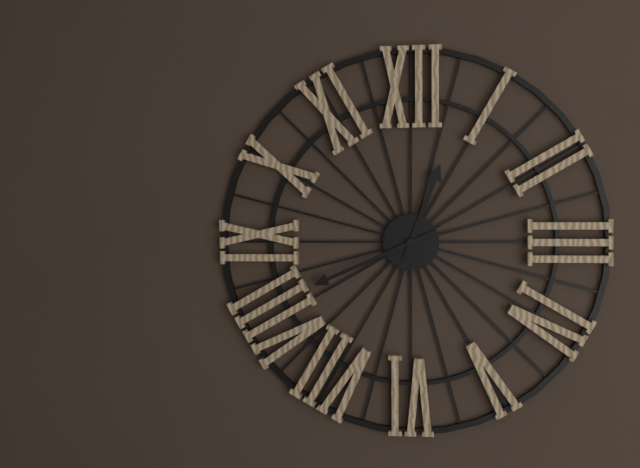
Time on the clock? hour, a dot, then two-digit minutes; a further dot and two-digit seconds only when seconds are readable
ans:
12.41
